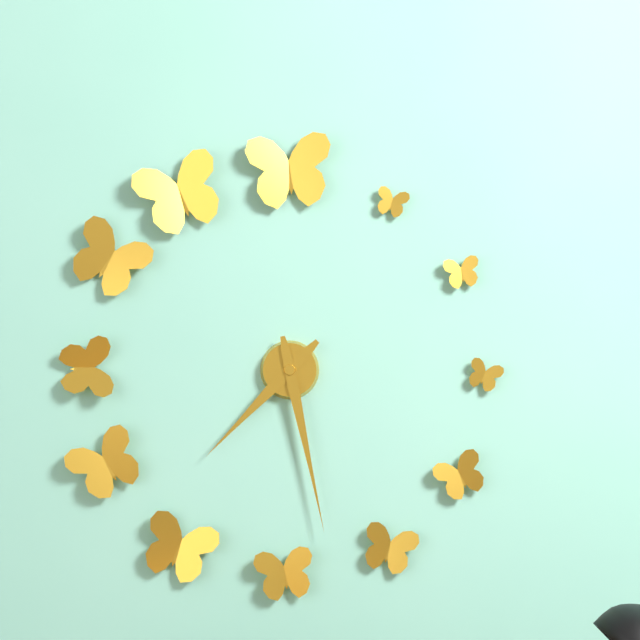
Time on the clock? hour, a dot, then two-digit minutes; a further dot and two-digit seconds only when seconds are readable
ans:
7.28
